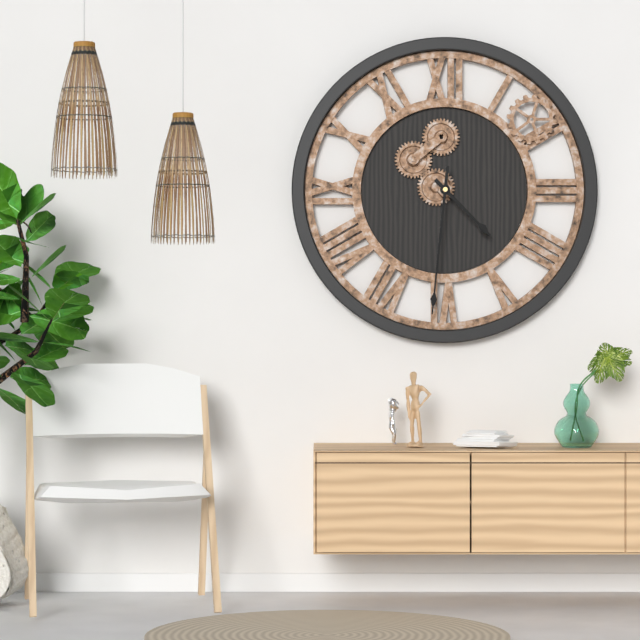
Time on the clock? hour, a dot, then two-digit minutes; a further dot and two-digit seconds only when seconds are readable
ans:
4.31
